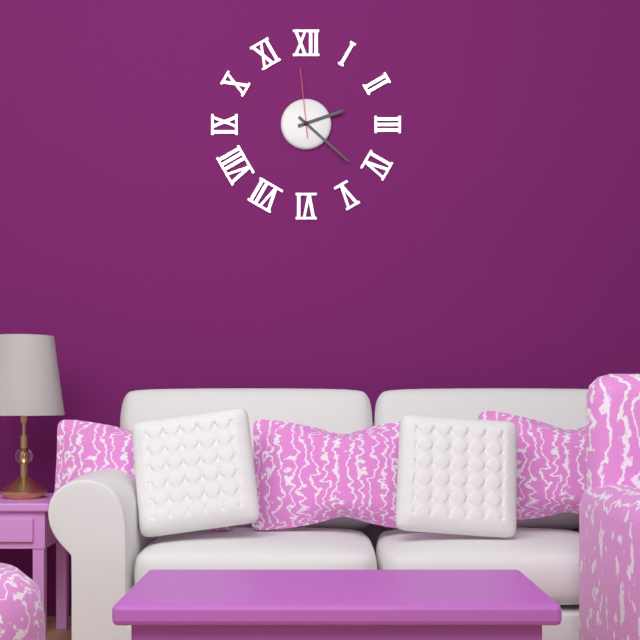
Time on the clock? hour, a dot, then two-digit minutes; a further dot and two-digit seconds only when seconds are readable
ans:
2.22.59
